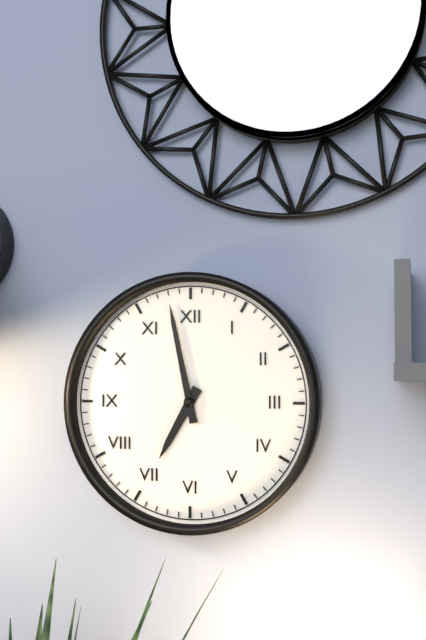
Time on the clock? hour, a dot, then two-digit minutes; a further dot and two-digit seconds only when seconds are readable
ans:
6.58
